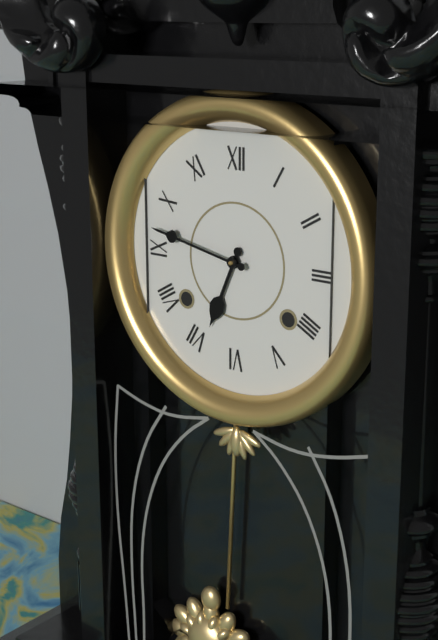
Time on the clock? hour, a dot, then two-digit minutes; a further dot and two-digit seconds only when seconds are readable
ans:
6.47
